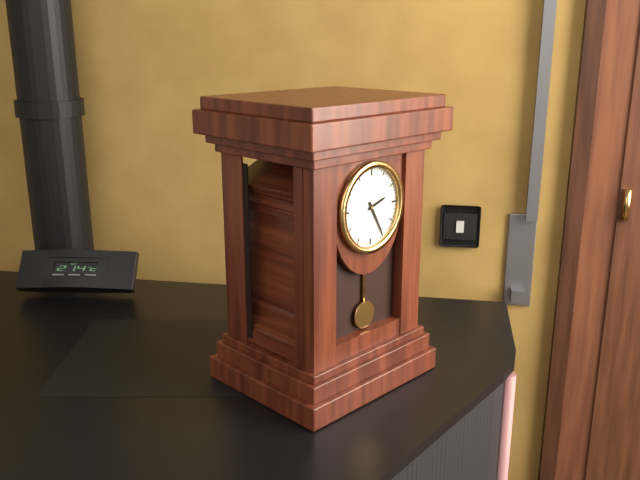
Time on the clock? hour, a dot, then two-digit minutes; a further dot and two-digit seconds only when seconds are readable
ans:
2.25
